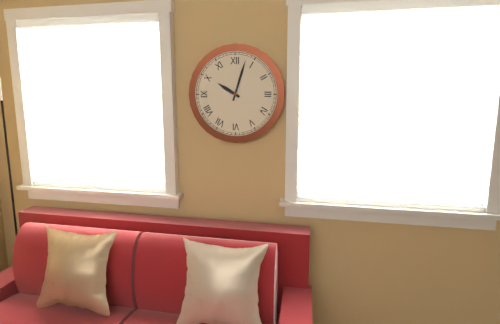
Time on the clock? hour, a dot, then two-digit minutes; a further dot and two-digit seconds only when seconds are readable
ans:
10.03
